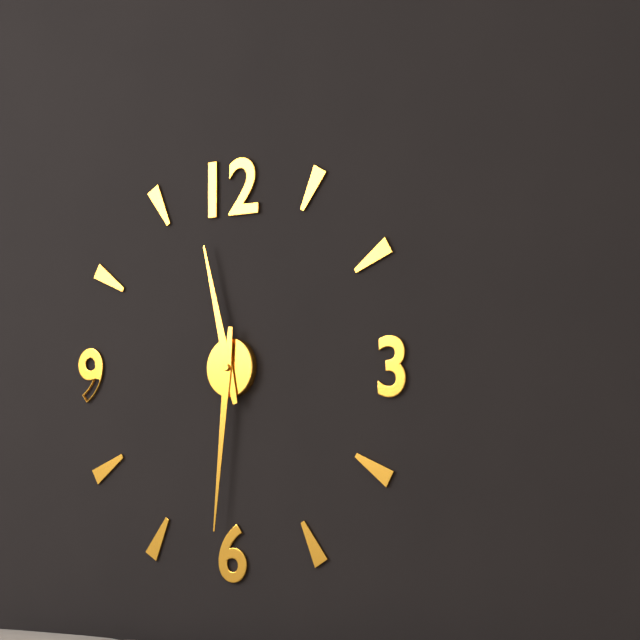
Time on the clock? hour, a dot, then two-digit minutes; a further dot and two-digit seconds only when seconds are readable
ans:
11.31
